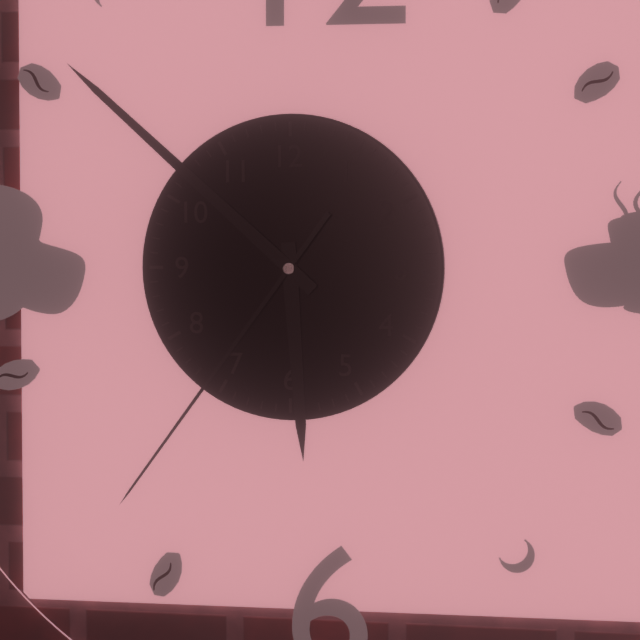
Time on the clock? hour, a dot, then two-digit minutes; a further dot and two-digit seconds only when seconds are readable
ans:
5.52.36
